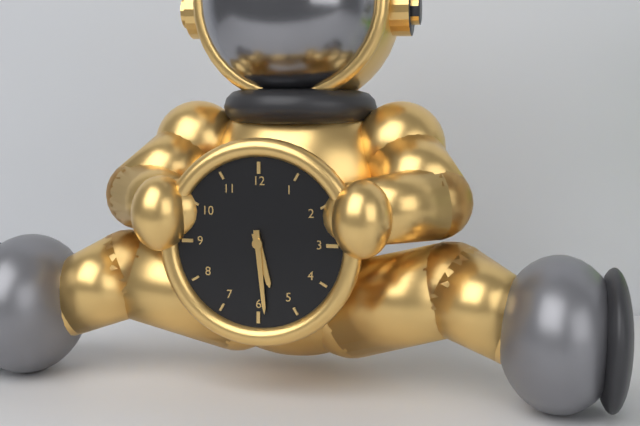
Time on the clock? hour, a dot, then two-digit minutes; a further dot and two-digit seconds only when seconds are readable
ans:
5.29
